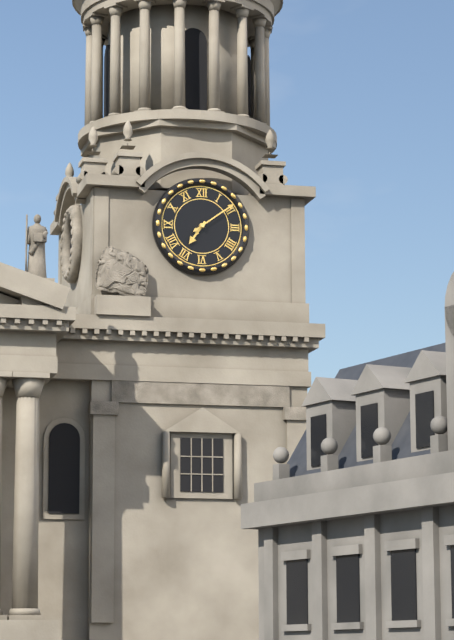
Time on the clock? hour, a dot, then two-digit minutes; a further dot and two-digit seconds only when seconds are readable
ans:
7.09
